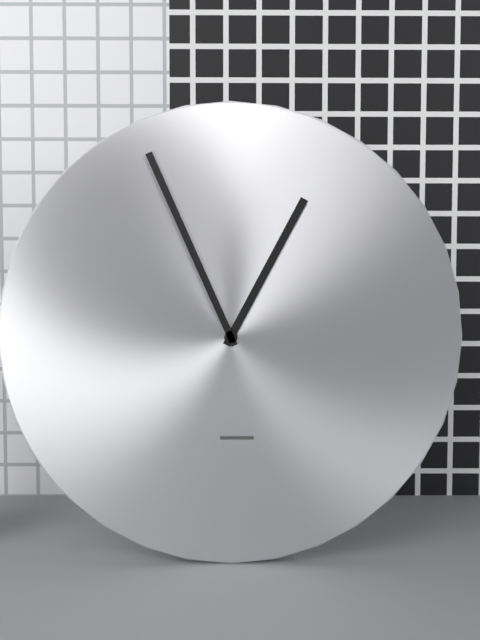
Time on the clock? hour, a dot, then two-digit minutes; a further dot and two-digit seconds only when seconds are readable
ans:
12.56
